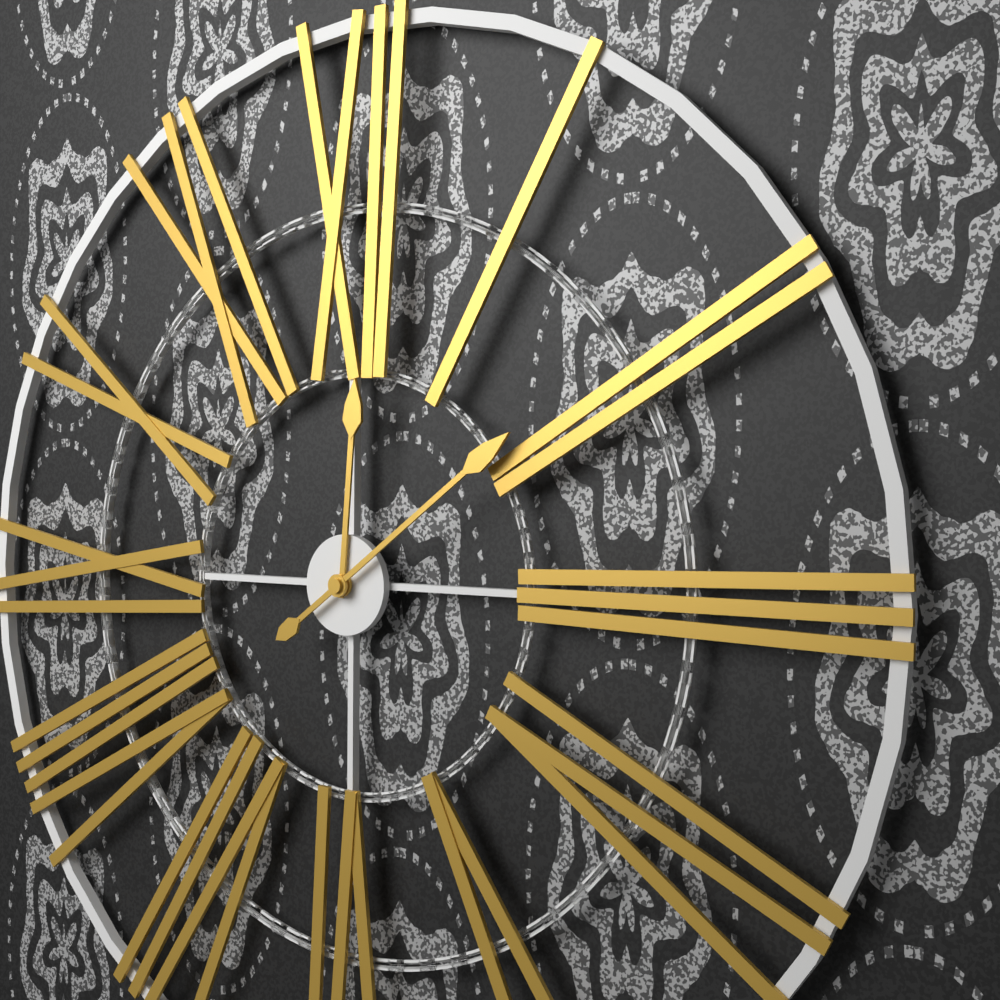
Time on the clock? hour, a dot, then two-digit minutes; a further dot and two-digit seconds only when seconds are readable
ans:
12.09
